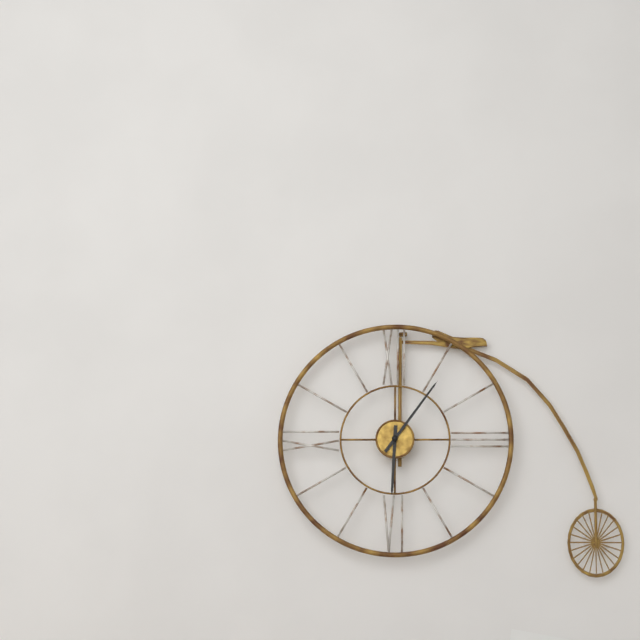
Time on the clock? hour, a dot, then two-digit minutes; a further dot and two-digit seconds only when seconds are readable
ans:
6.06
